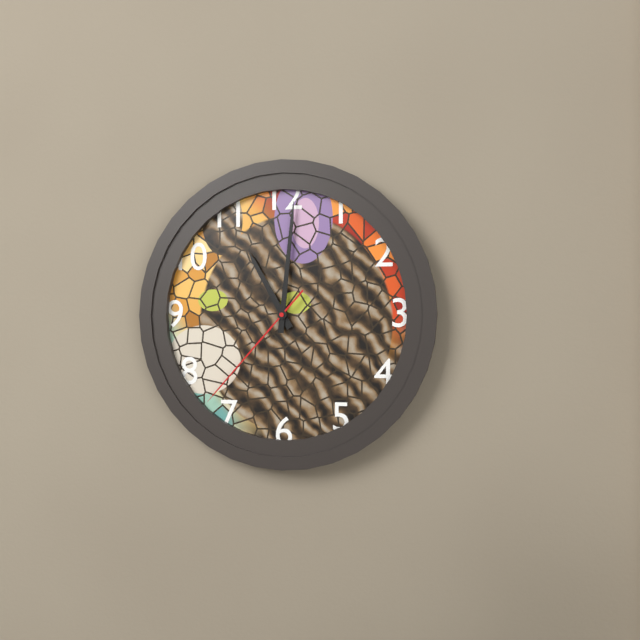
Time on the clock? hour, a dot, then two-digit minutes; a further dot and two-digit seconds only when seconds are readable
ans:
11.01.37
